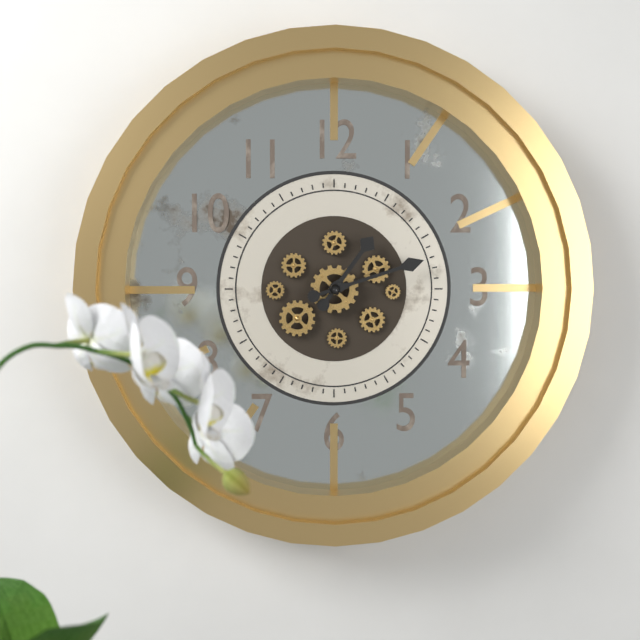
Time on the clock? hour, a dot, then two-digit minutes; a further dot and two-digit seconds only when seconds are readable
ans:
1.12
